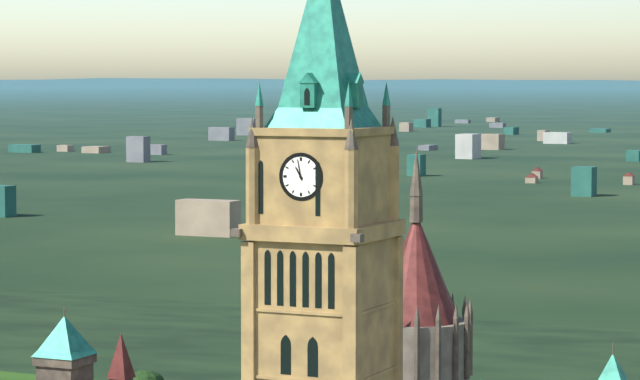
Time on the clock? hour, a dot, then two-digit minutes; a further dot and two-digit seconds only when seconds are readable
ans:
10.58
